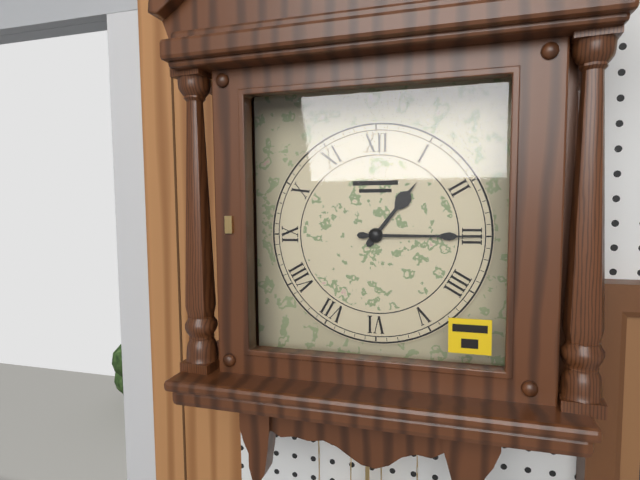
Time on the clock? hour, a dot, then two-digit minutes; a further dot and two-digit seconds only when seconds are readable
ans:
1.15
